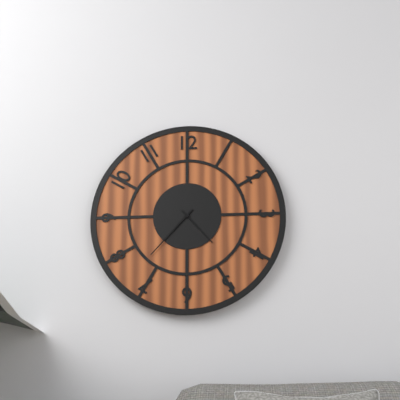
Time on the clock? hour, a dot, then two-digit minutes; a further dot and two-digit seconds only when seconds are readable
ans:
4.37
